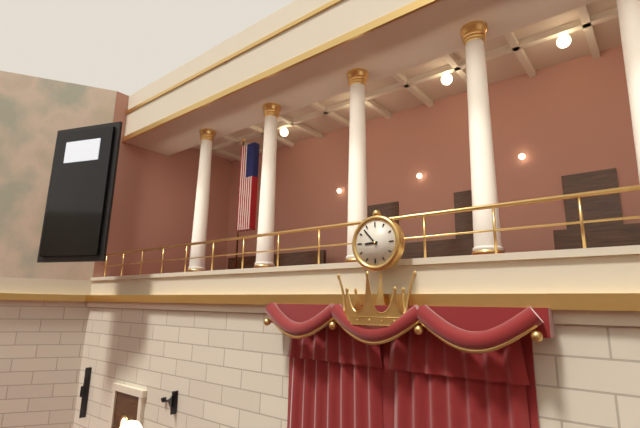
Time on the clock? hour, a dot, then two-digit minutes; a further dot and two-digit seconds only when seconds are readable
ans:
8.53
